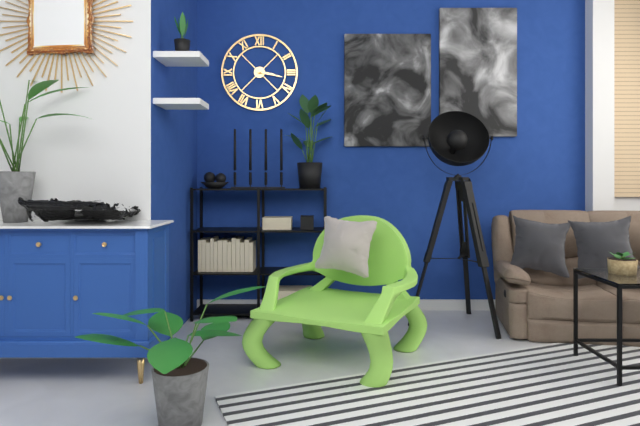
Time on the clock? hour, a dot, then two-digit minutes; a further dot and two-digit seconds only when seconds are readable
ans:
3.17
